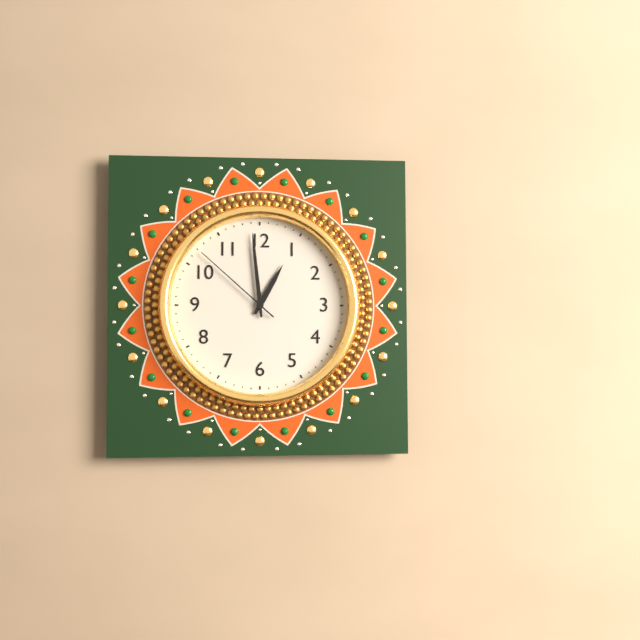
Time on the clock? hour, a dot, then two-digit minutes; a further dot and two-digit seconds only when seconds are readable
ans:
12.59.52
